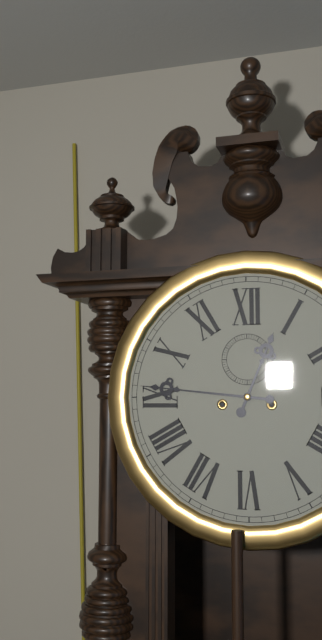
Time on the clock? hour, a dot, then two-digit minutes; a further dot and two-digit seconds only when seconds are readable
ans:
12.46
